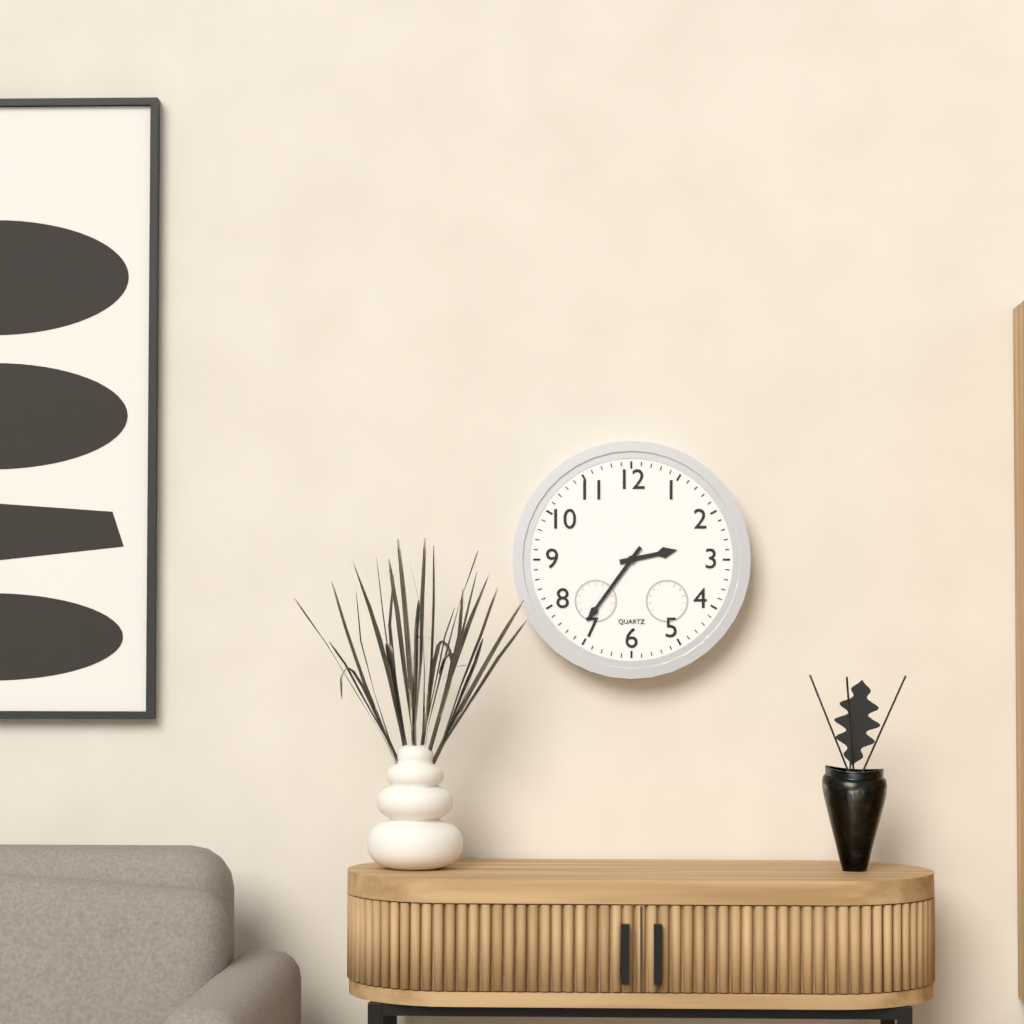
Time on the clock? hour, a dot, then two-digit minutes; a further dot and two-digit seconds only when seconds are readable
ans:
2.36
